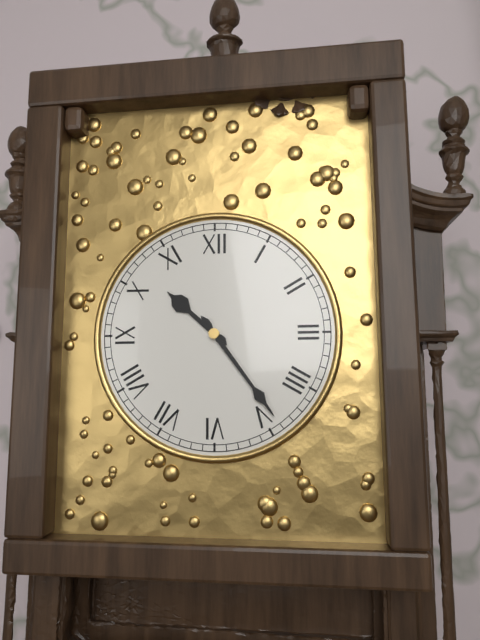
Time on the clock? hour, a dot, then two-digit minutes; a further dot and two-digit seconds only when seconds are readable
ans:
10.24
